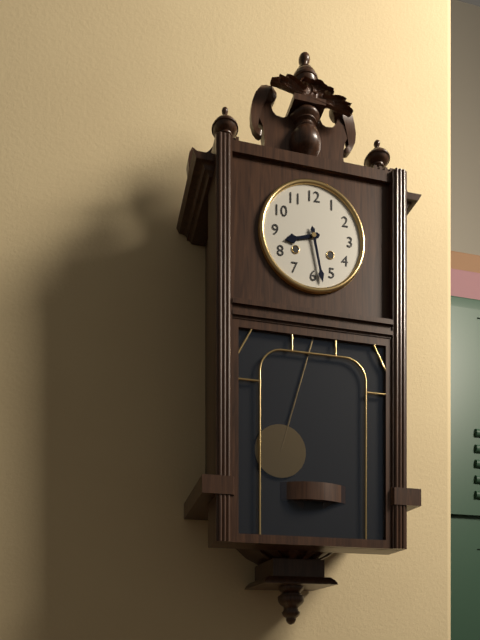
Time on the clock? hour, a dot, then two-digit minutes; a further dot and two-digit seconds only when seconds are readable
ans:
8.28
